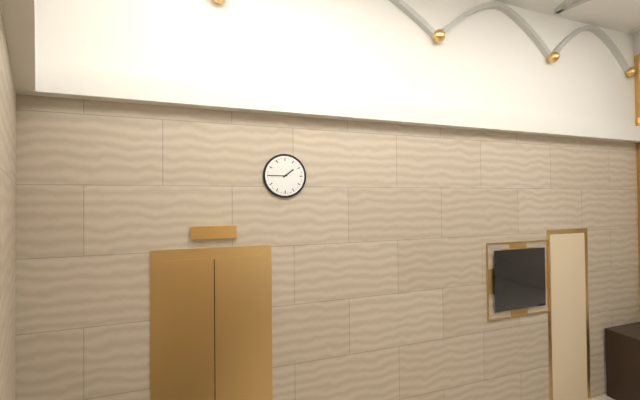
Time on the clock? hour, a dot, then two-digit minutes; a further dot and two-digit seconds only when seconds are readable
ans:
1.45
